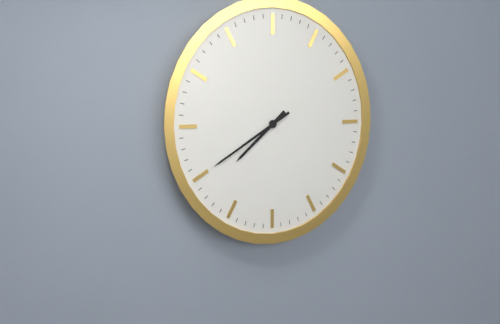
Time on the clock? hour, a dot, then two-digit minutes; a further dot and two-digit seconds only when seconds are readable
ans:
7.40
